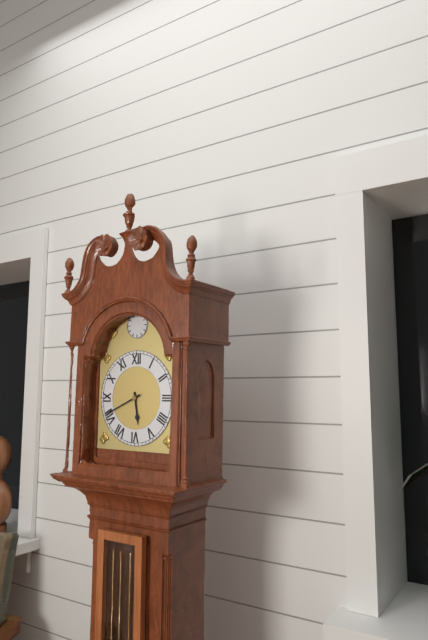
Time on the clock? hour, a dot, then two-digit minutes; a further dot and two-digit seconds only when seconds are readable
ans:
5.41
